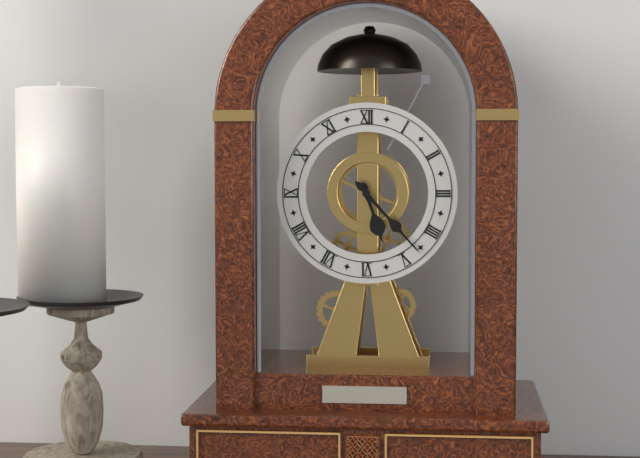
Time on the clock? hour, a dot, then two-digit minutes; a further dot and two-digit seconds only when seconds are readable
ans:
5.23
